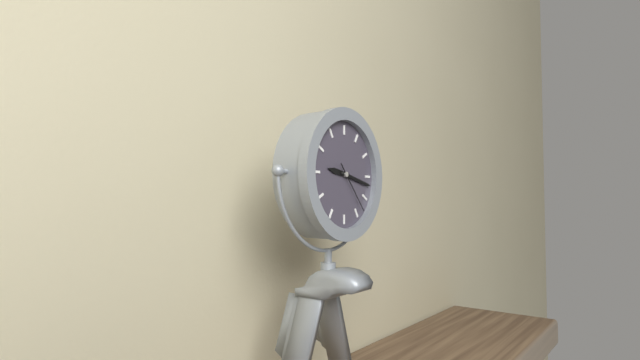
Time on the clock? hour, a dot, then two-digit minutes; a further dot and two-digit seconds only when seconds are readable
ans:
9.17.23
